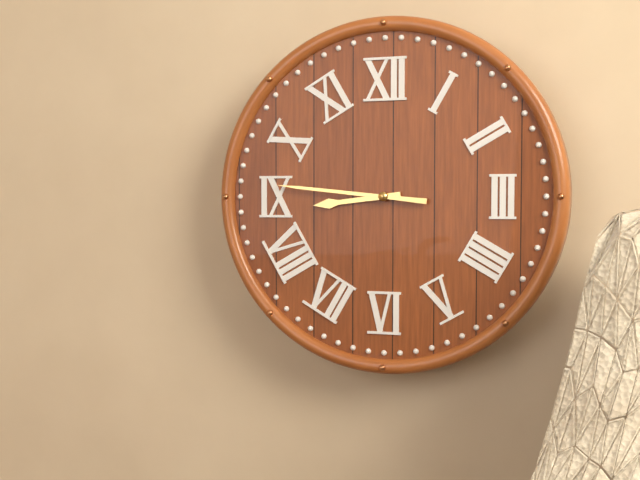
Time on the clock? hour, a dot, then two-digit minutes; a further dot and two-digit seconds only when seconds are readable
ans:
8.46
